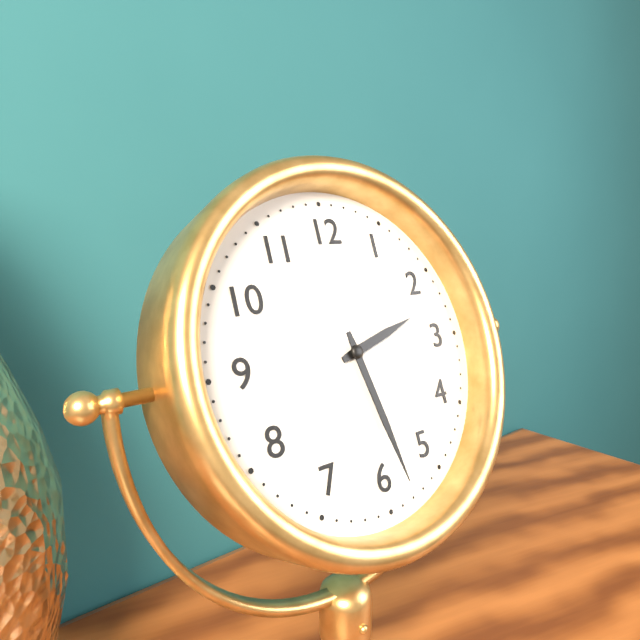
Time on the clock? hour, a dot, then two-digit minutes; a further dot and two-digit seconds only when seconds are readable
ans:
2.28
